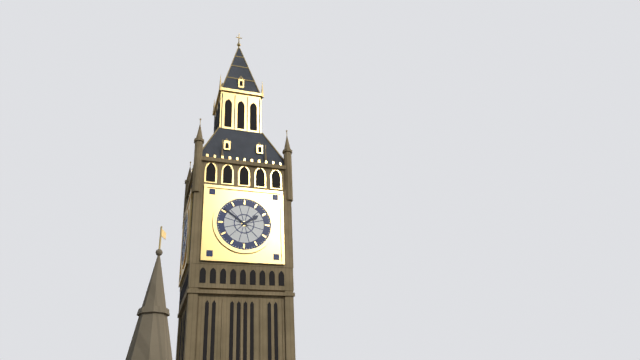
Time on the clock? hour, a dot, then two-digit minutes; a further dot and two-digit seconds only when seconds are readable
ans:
1.51
